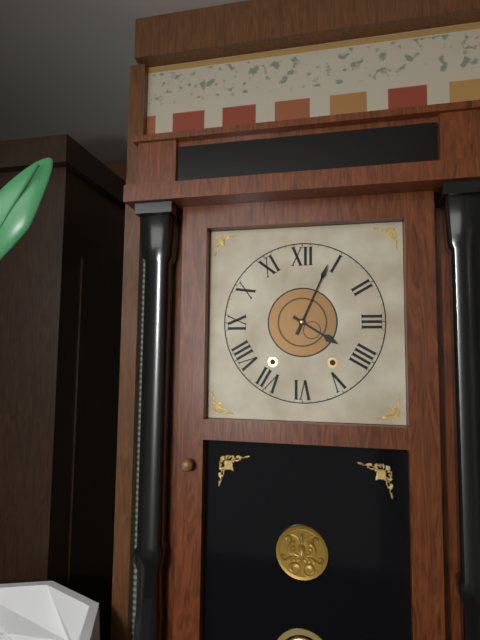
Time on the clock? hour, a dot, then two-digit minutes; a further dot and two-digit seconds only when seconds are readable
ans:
4.04
